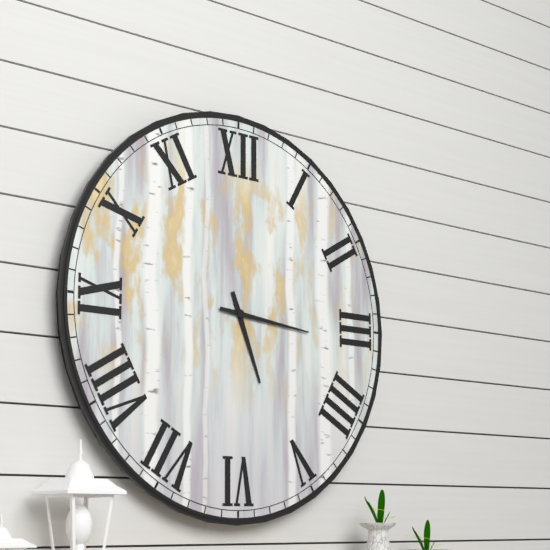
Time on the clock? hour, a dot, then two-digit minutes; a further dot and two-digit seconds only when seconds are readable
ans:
5.16
